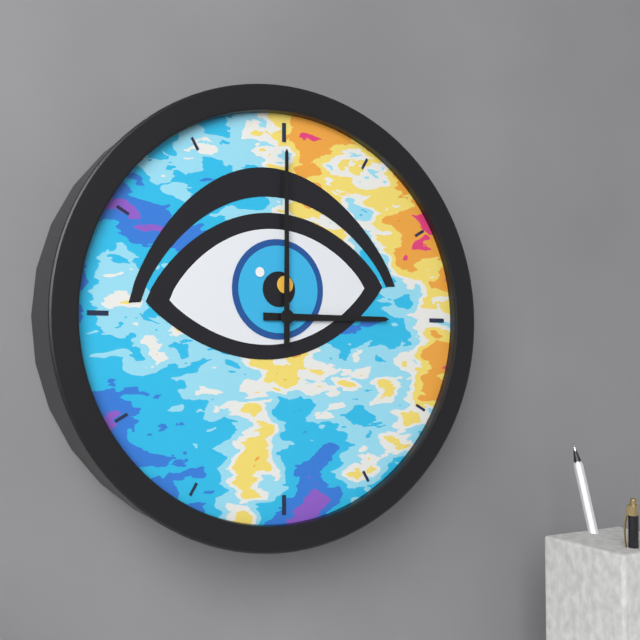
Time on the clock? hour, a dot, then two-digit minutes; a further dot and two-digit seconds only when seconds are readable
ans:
3.00
